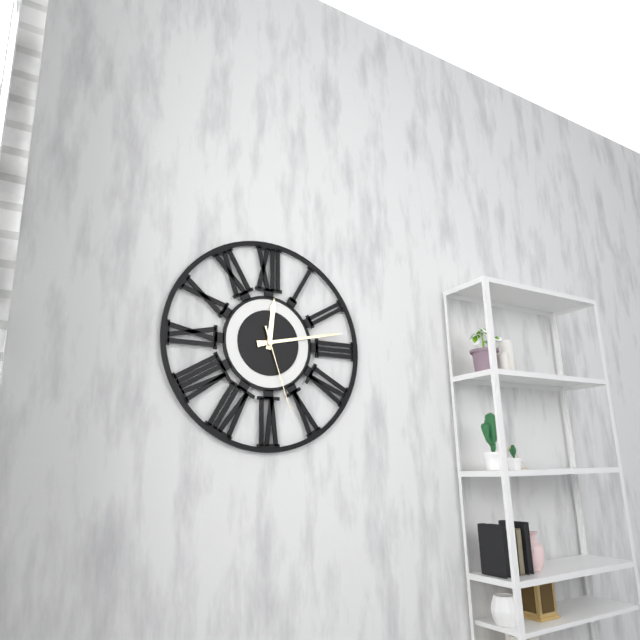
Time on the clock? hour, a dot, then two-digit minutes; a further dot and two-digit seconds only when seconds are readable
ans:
12.13.27
